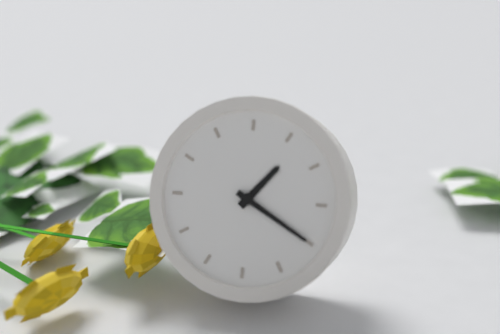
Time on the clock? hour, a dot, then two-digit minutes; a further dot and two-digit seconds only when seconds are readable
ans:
1.20
